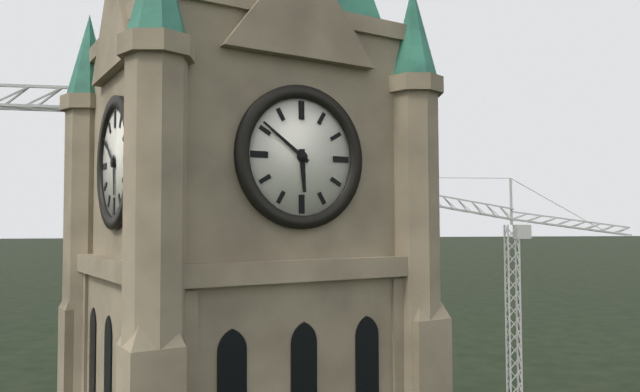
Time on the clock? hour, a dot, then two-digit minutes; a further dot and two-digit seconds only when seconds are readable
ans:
5.51
